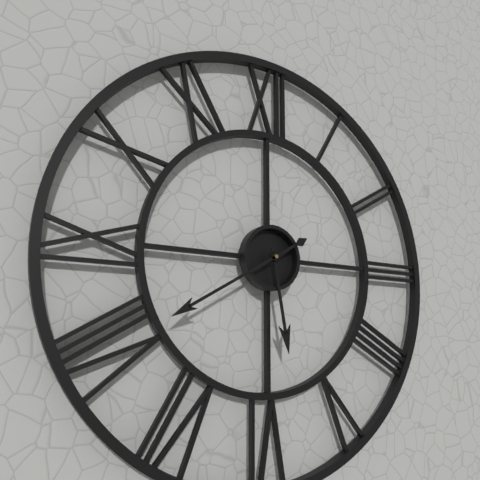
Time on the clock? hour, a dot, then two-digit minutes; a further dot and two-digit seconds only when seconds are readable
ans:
5.40
